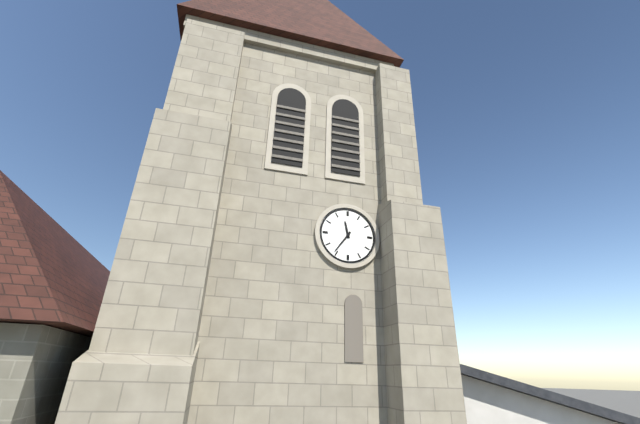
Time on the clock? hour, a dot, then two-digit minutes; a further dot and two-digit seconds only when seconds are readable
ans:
11.36
